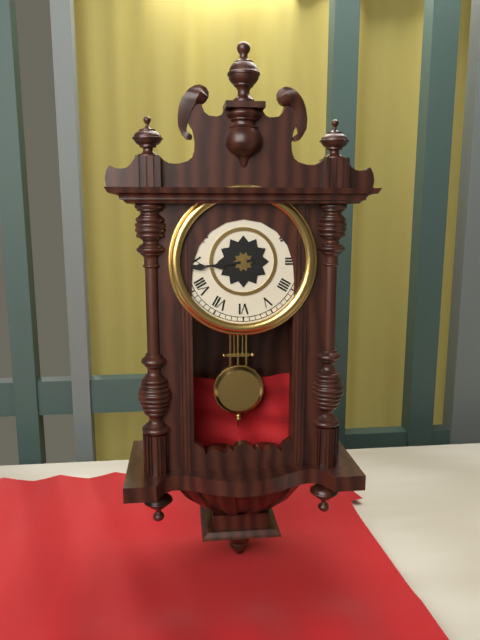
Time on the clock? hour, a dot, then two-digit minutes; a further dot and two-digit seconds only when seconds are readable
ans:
8.44
